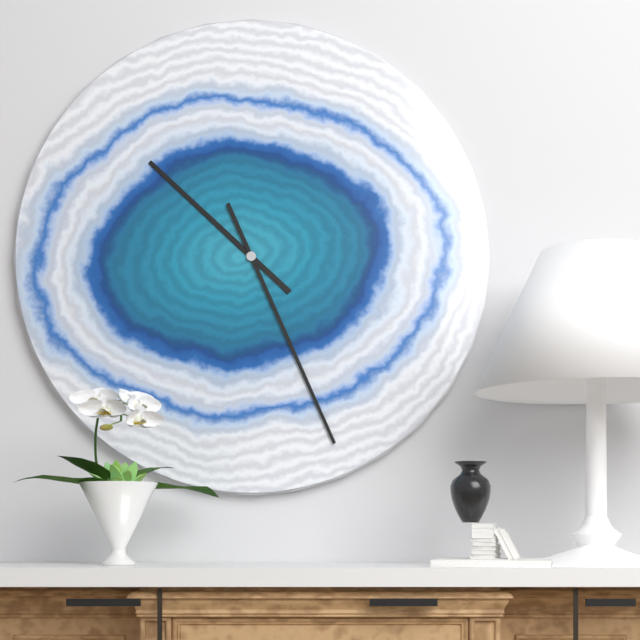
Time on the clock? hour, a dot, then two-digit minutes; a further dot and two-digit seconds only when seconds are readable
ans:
10.26
